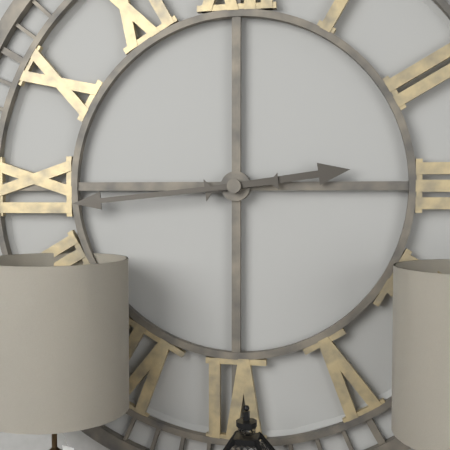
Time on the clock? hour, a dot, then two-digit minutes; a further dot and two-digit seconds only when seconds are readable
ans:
2.44
